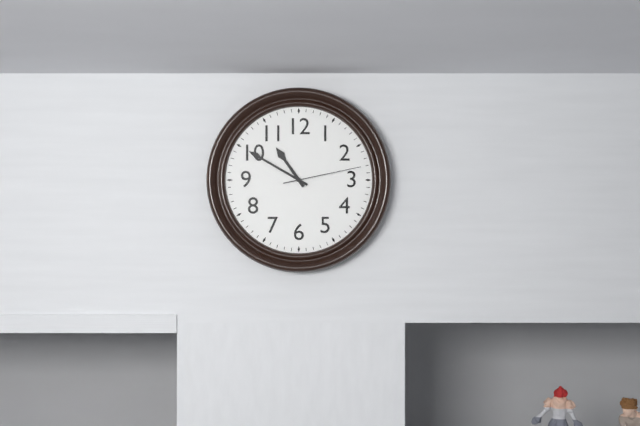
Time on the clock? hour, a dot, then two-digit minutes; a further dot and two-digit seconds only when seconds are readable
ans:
10.50.13
